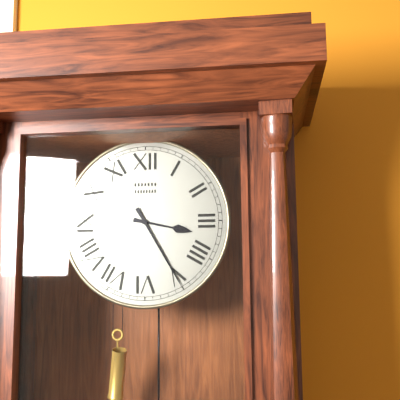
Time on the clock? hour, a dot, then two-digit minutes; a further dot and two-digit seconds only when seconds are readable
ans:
3.25
